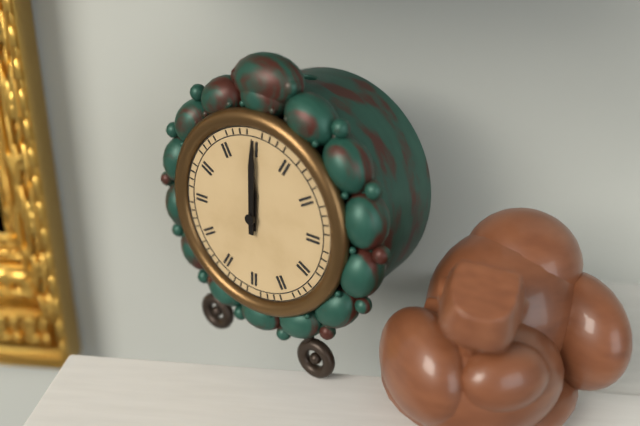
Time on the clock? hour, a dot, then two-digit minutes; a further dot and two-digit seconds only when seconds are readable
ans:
12.00
